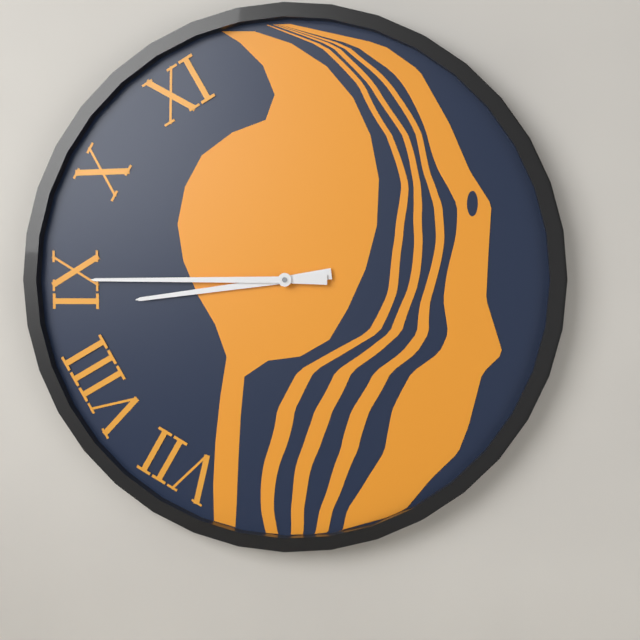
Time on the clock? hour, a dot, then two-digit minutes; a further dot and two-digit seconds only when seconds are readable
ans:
8.45
